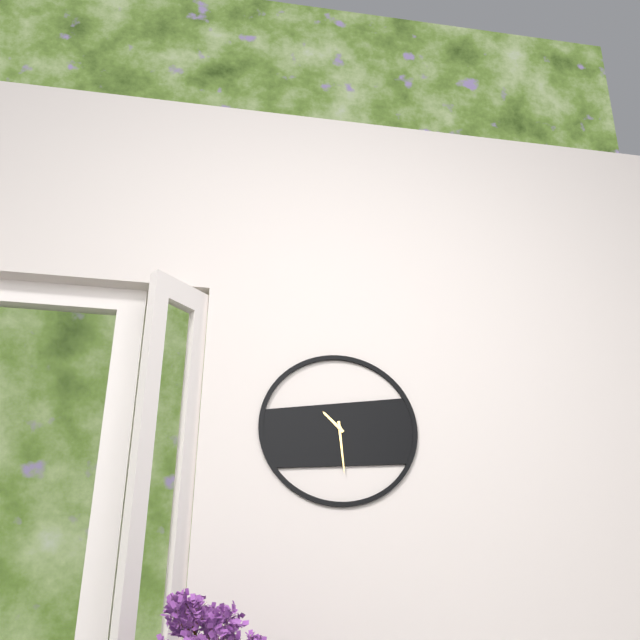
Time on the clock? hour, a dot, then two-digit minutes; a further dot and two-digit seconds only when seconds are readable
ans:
10.29
